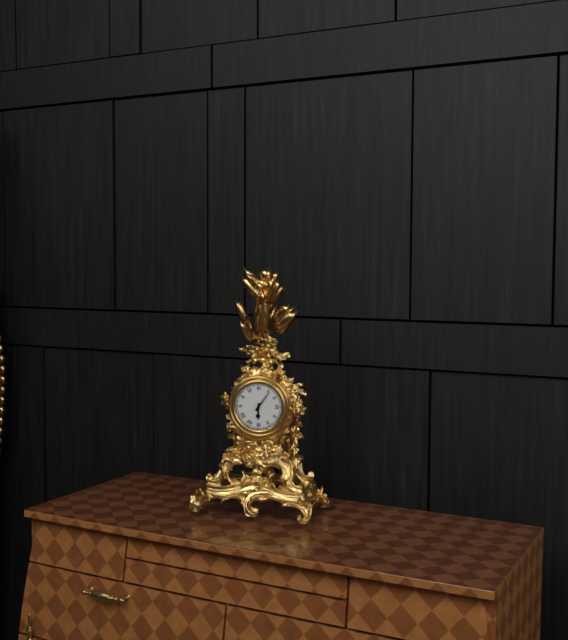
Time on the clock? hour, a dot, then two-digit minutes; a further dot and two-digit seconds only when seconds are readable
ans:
6.06
